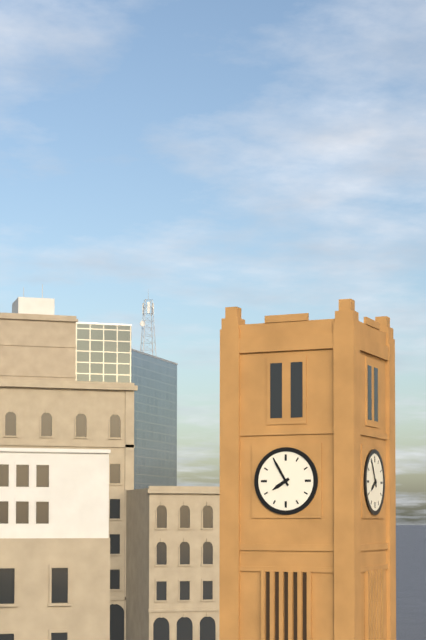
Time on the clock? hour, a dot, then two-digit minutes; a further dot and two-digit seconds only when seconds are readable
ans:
7.55
